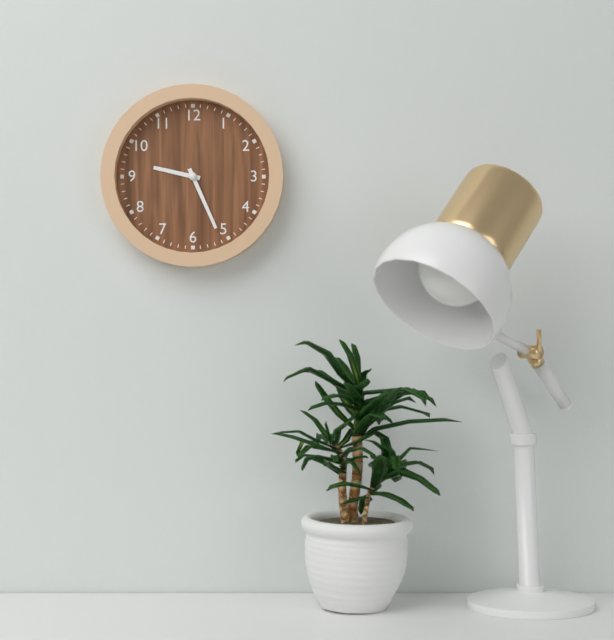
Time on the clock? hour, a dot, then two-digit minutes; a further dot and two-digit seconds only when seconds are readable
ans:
9.26
